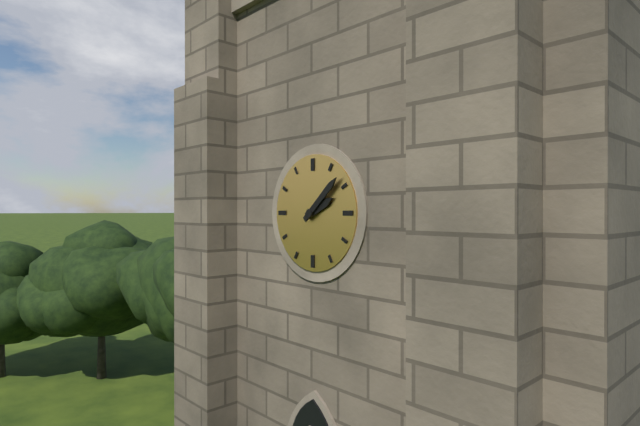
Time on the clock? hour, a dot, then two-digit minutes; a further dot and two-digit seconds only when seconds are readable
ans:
2.08
